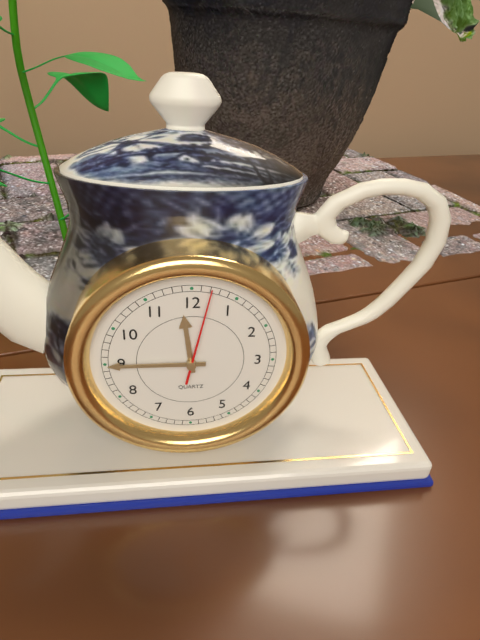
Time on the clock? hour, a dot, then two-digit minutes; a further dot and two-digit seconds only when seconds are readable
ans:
11.45.02
